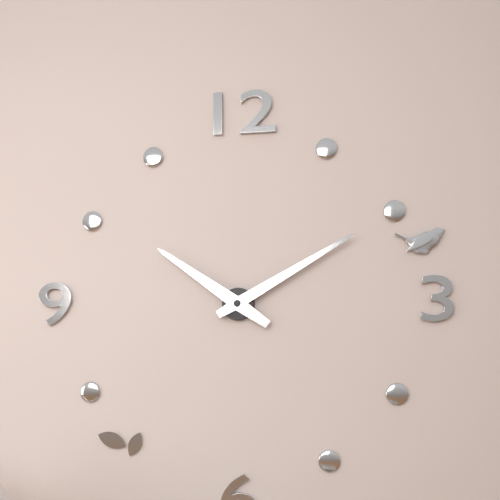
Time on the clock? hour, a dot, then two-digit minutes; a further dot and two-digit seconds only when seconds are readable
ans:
10.10
